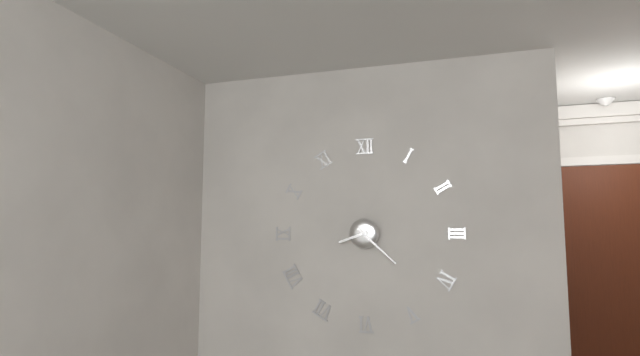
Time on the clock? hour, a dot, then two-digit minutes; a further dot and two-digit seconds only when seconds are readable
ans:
8.22
